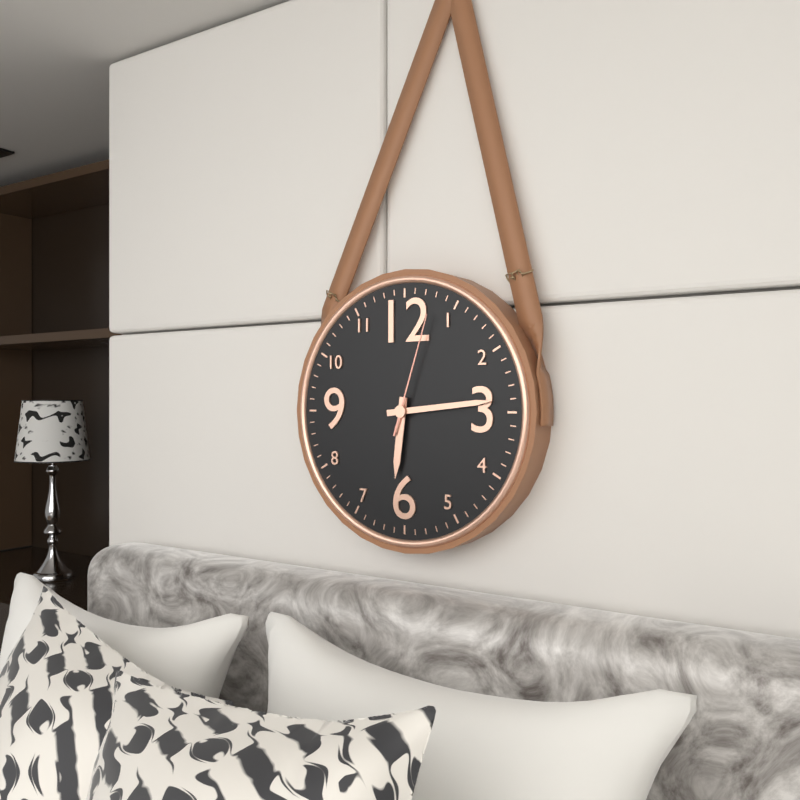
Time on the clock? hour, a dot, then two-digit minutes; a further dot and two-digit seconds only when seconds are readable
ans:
6.14.03
